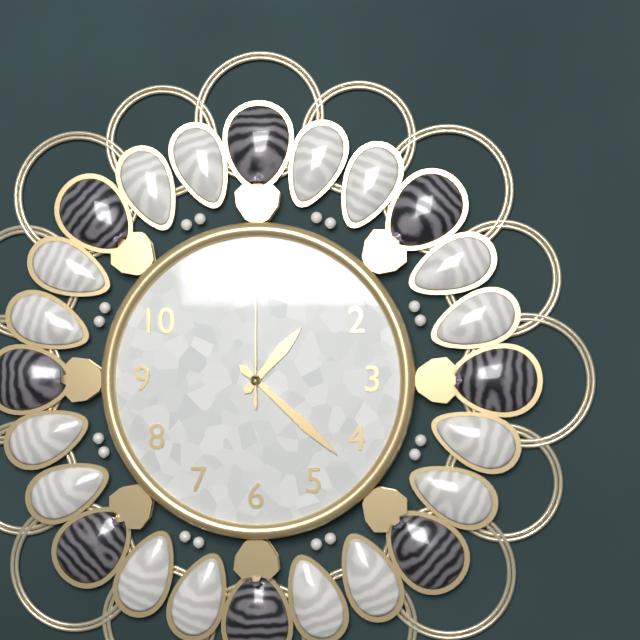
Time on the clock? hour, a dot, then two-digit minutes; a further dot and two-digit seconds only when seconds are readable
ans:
1.22.00
